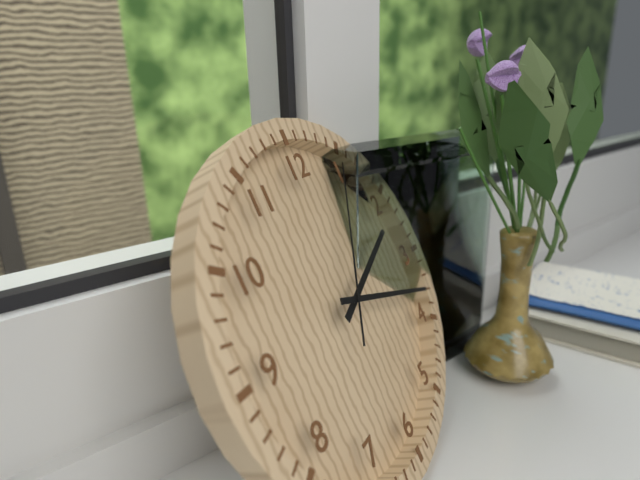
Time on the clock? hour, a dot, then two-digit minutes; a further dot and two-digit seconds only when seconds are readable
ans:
2.18.05
